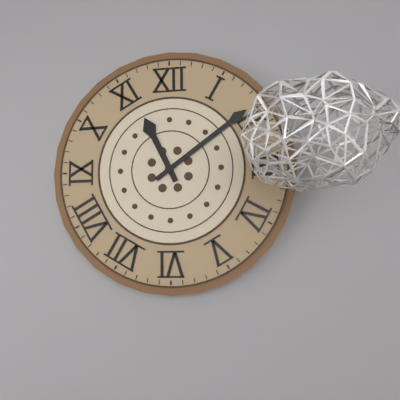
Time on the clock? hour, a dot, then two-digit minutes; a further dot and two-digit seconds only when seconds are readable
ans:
11.09
